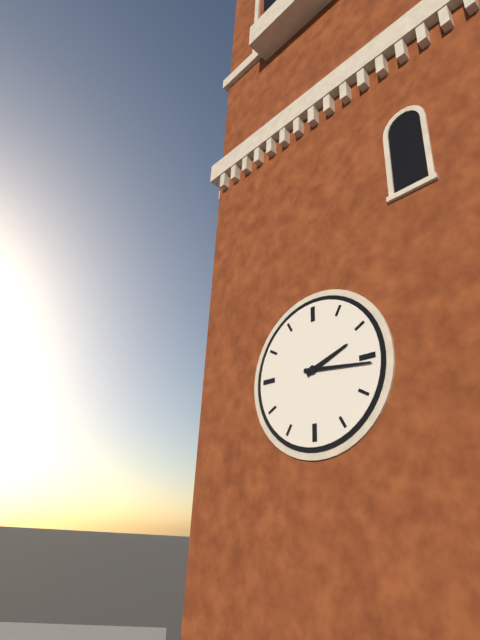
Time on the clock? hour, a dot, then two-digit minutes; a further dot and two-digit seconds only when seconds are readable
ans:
2.16
